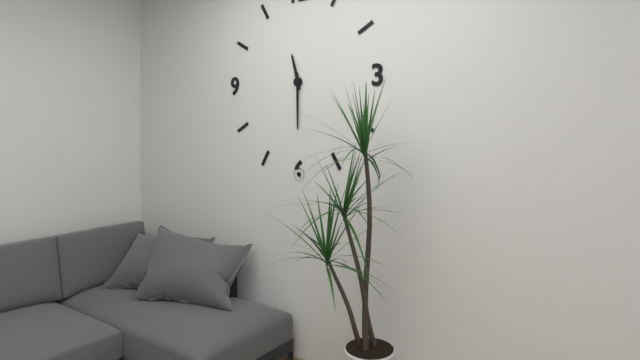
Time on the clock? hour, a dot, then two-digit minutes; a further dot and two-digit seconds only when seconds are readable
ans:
11.30
